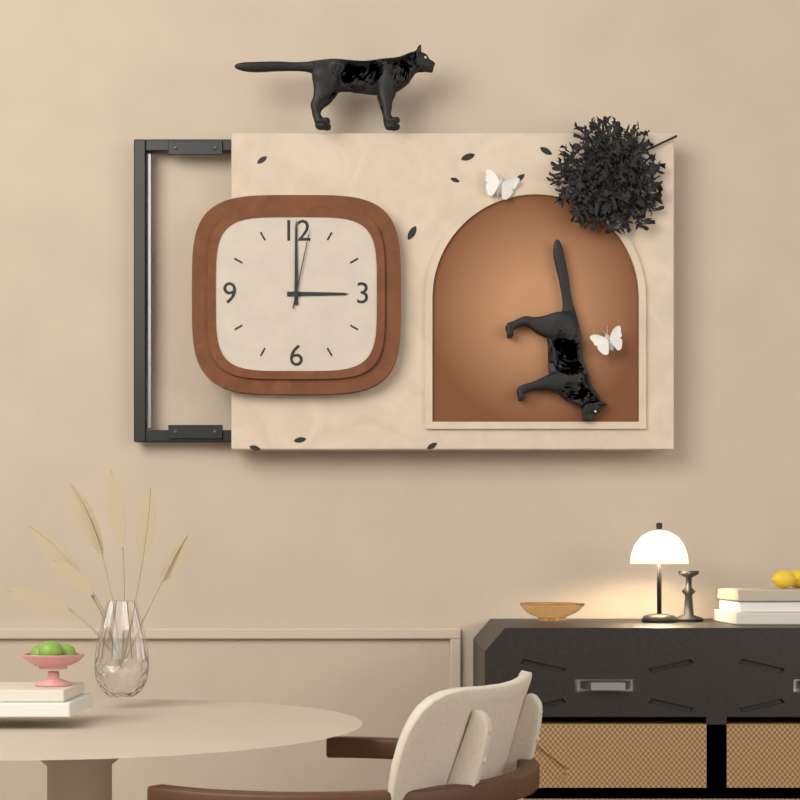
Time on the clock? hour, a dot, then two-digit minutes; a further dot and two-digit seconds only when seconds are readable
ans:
3.00.02
